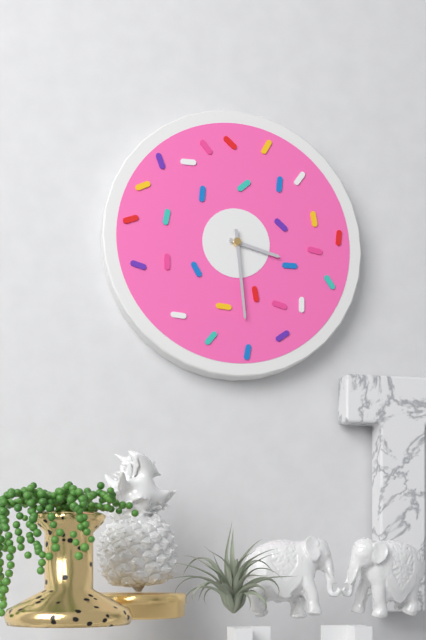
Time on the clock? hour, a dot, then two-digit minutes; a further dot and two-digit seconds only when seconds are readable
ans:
3.29
